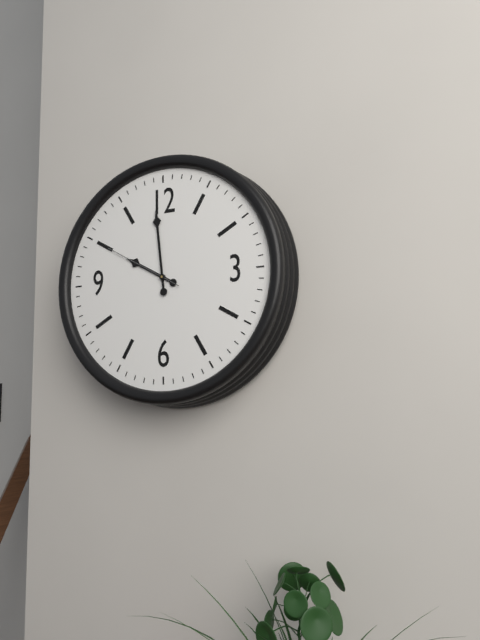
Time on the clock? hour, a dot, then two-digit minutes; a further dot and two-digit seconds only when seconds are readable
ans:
9.59.50
